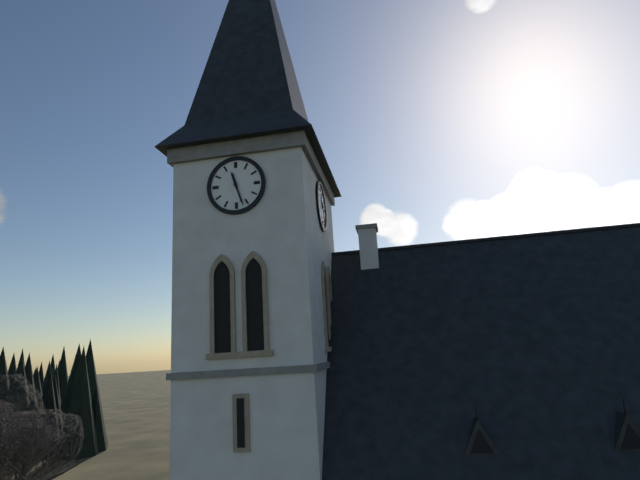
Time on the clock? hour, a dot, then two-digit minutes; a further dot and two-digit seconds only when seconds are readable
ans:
11.27
